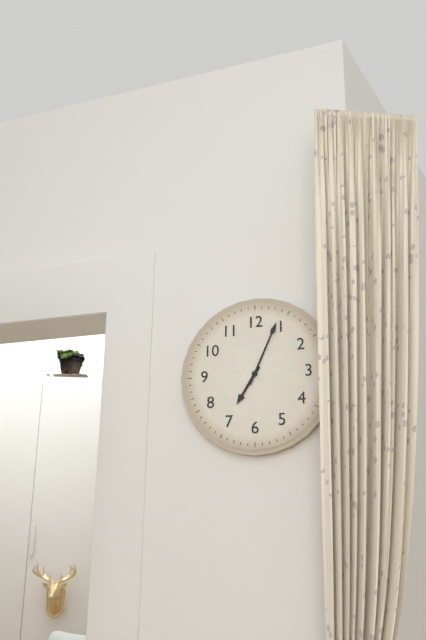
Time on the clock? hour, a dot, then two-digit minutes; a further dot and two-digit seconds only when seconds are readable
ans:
7.04
